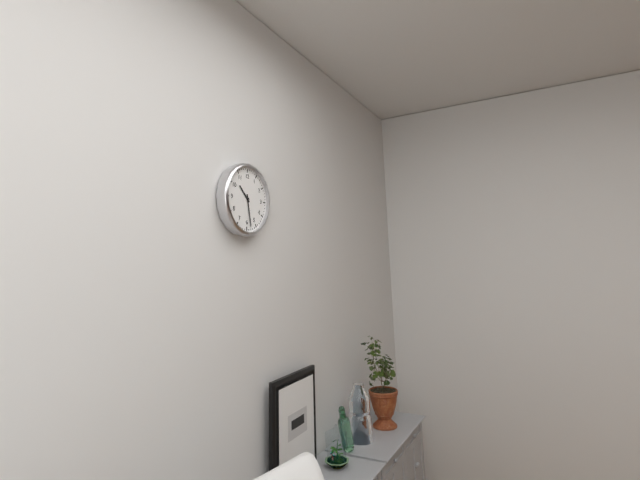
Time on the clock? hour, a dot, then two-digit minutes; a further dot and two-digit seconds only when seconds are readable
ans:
10.28
